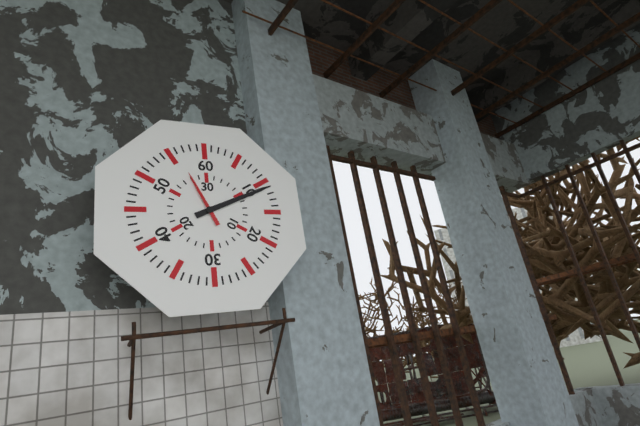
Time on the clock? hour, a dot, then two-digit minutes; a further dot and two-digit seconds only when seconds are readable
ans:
11.11
